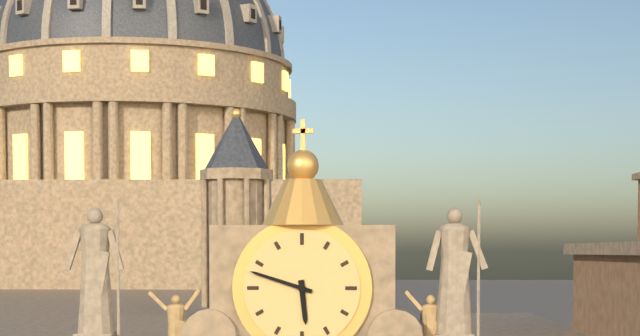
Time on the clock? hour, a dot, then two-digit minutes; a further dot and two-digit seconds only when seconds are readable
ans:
5.48
